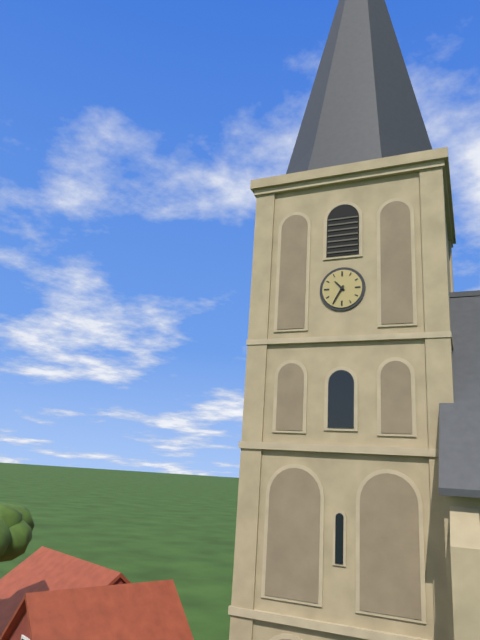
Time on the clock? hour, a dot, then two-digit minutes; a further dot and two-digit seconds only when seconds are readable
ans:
10.35
